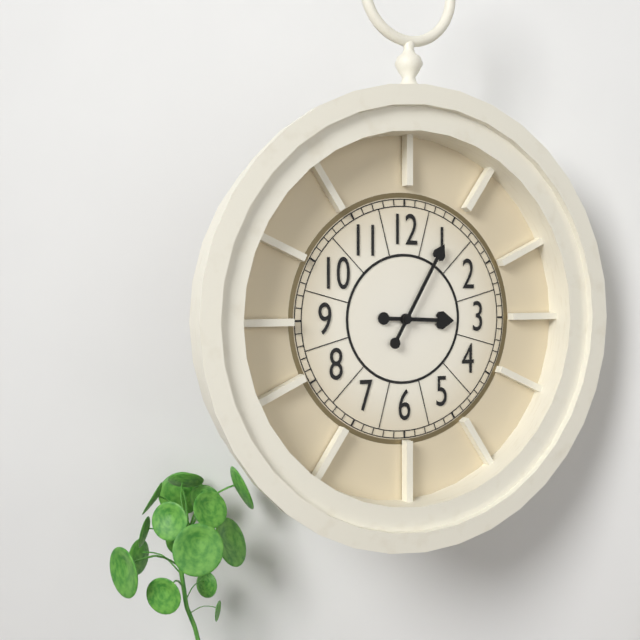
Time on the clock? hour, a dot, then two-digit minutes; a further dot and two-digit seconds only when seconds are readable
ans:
3.05
